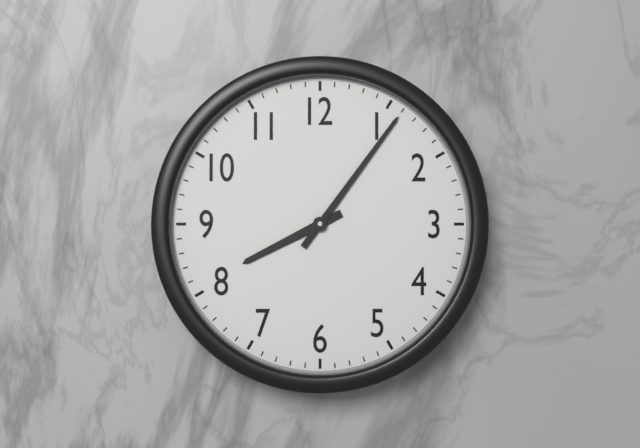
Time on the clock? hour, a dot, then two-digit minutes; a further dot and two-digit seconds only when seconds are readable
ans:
8.06
